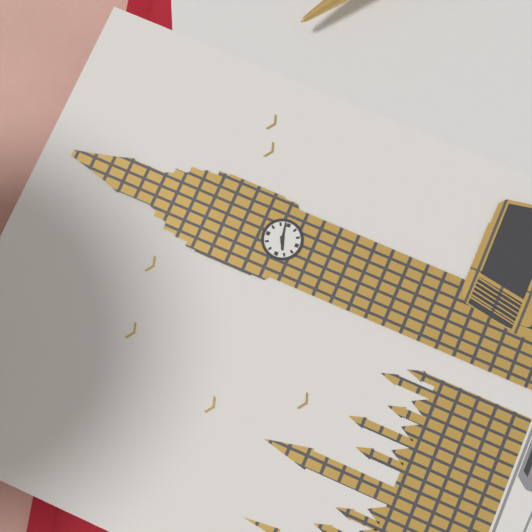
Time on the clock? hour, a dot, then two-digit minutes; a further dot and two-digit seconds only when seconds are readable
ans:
8.13
